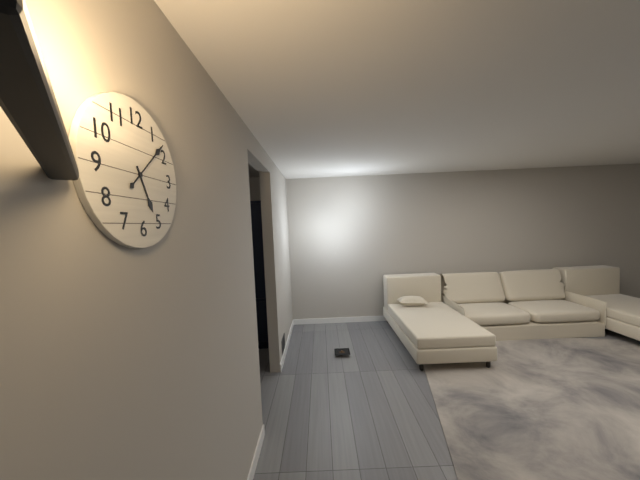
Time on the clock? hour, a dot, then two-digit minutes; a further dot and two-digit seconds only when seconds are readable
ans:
5.08
